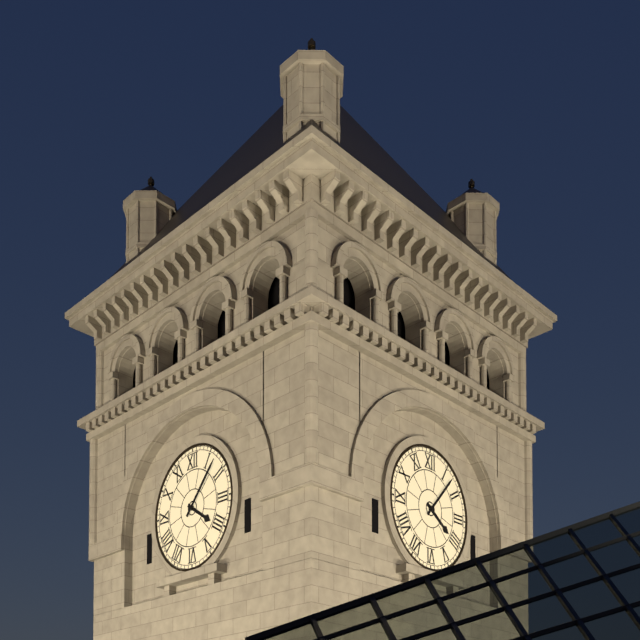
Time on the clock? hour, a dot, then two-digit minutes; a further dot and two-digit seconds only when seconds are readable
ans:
4.07
